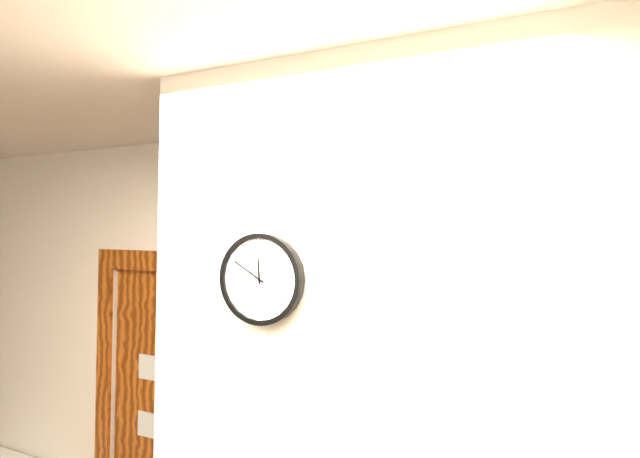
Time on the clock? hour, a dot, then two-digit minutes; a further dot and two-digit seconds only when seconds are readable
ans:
11.50
